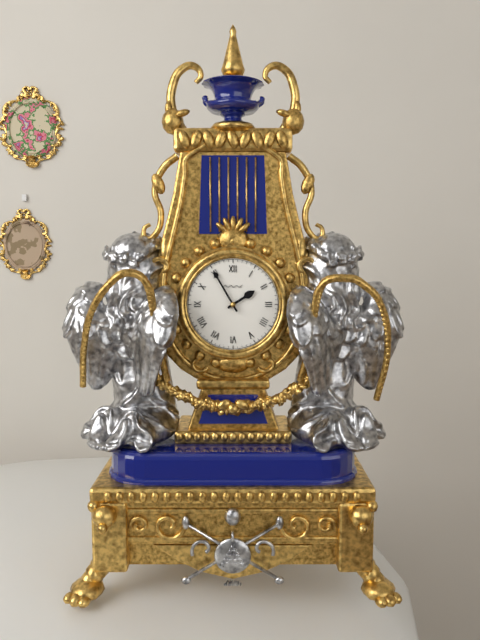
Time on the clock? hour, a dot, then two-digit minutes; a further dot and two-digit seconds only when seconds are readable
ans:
1.55
